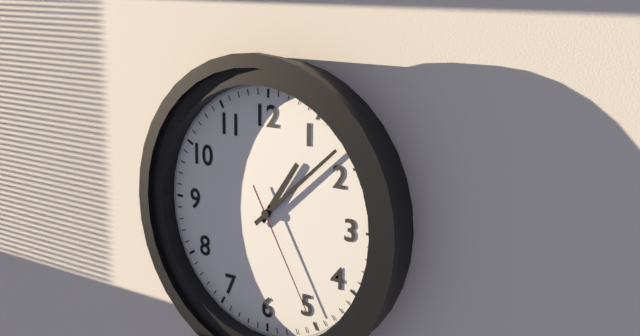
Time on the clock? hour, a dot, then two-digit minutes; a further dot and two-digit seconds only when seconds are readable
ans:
1.08.25
